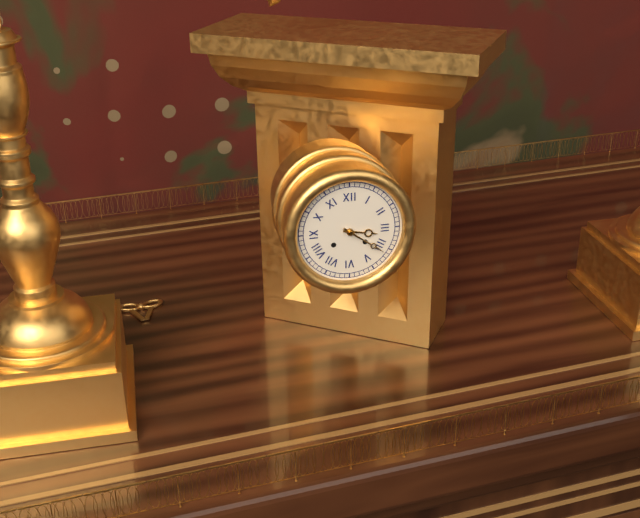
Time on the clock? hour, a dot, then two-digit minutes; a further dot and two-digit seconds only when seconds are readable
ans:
3.21
